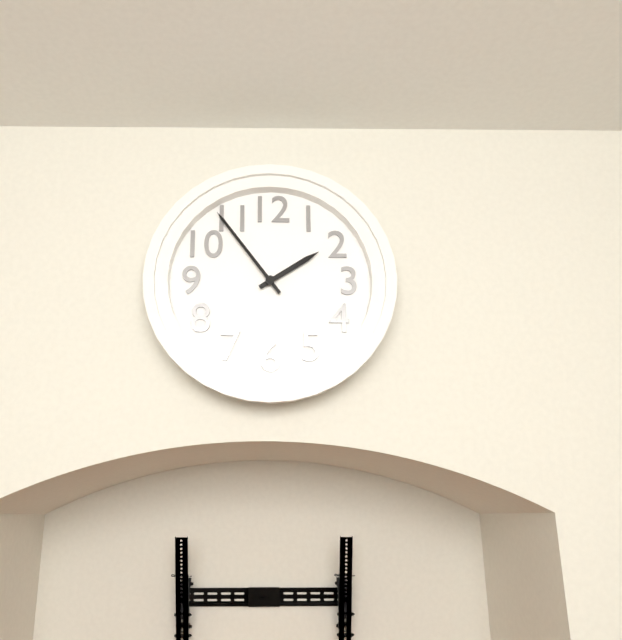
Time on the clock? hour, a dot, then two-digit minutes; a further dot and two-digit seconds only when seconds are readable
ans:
1.54
